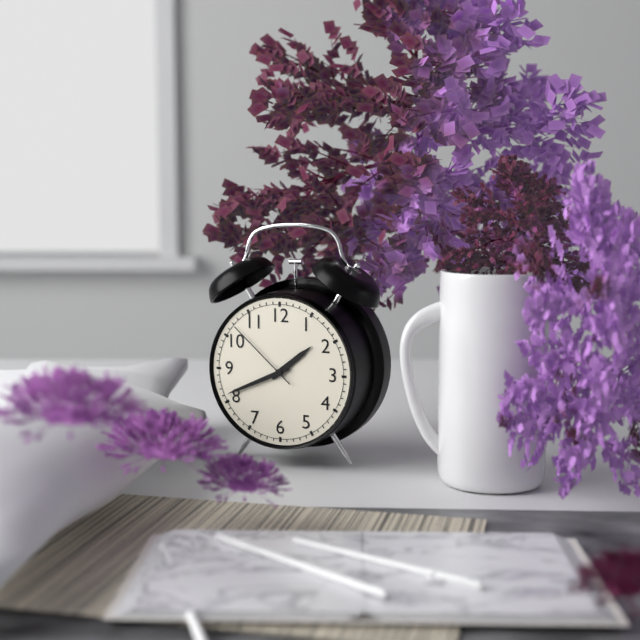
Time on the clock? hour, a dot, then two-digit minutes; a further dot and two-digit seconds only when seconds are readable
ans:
1.41.52
